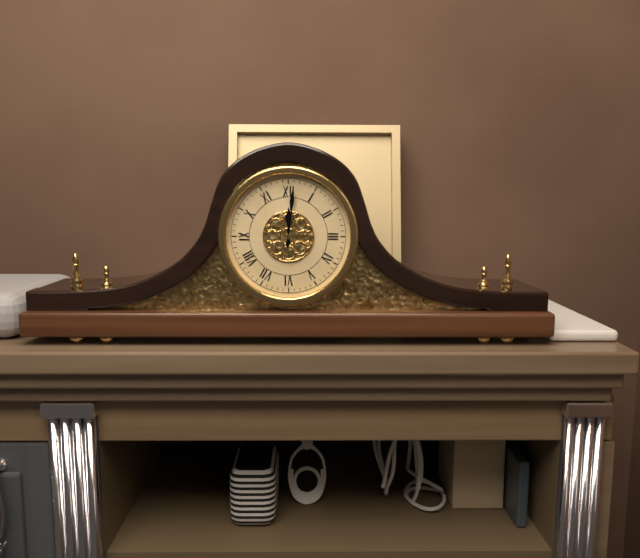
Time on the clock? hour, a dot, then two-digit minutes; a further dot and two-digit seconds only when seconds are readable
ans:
12.01
